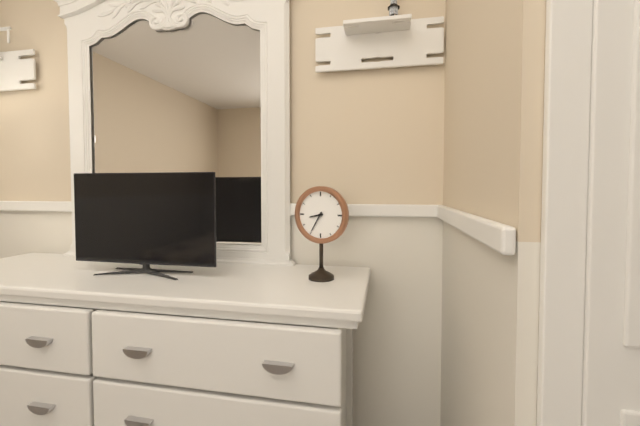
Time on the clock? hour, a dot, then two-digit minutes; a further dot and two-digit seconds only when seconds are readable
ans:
8.35
